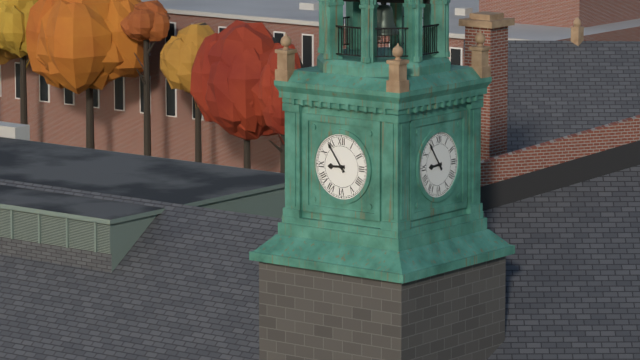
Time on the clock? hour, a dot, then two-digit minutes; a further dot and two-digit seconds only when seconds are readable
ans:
8.54
